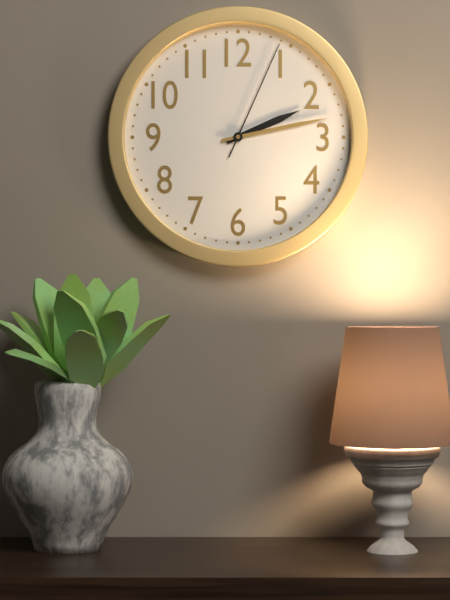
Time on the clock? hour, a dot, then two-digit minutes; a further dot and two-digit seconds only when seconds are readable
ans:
2.13.04
